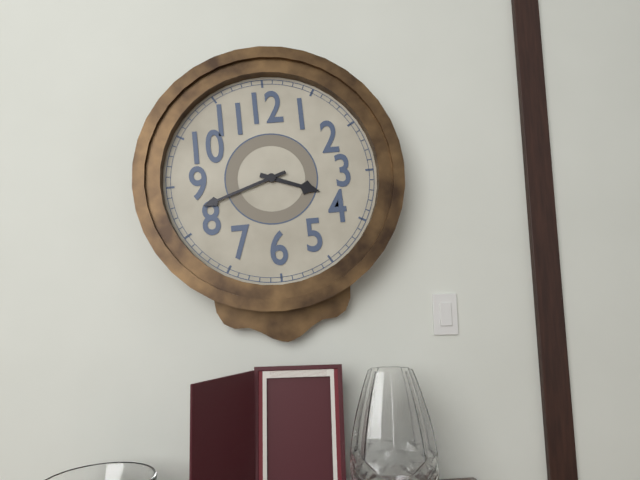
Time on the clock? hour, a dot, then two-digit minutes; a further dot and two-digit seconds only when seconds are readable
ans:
3.42
